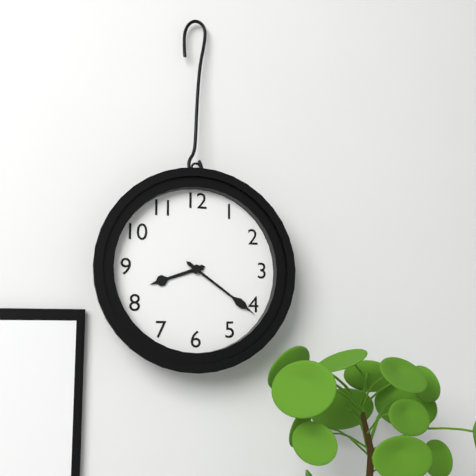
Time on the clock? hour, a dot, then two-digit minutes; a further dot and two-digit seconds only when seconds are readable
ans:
8.21
